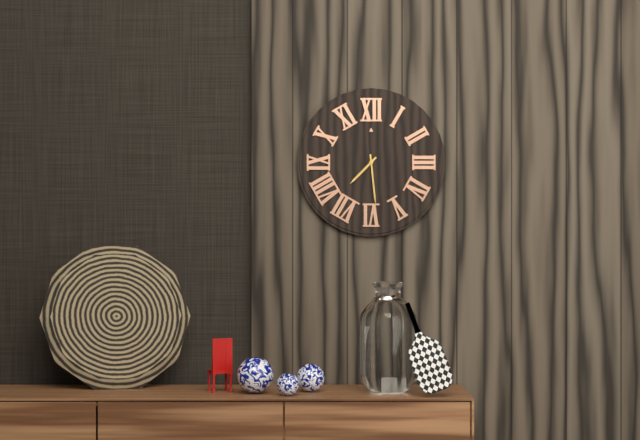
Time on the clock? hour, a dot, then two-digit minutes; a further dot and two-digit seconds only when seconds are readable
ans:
7.29
